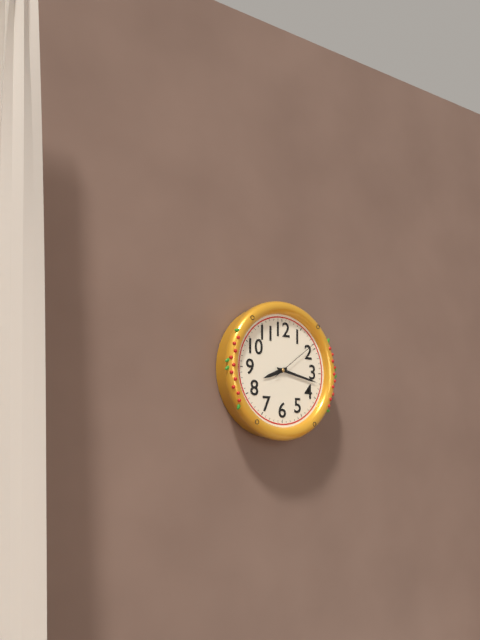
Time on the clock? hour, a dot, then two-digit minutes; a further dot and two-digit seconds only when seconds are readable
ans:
8.17.09
